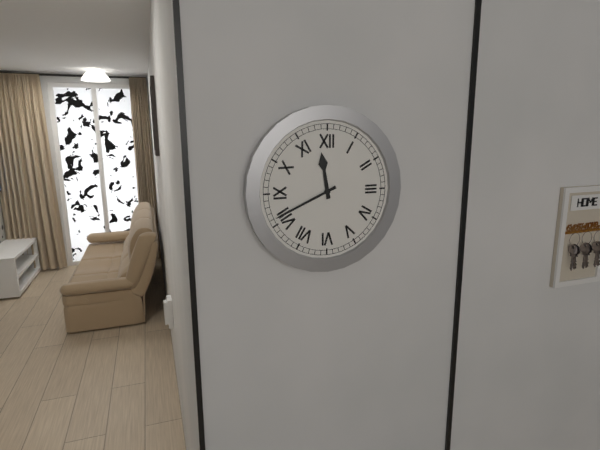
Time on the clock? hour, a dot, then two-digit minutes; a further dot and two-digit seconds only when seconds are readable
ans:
11.41
